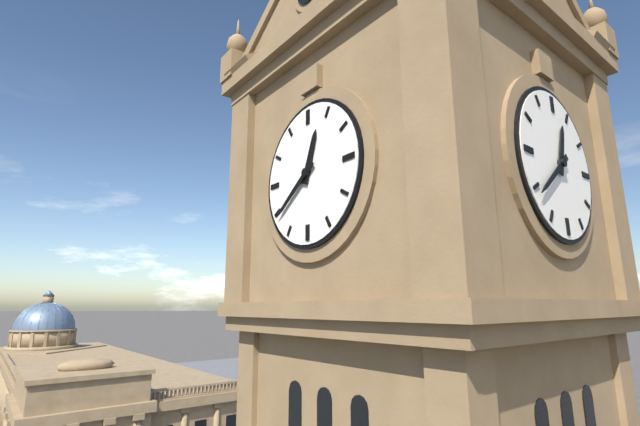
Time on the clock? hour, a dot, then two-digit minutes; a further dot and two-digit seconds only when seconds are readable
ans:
12.39
